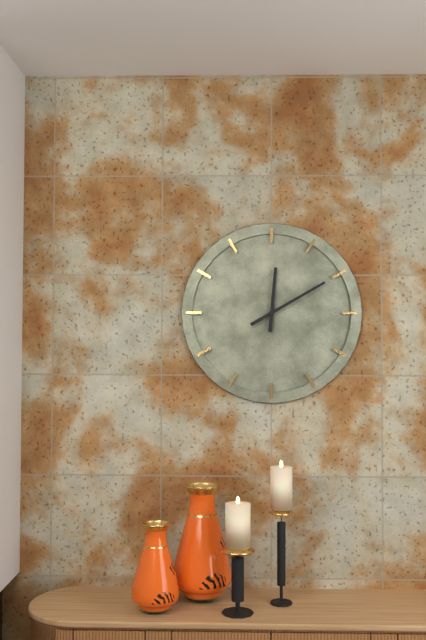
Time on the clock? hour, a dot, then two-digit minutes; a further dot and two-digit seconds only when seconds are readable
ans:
12.10
